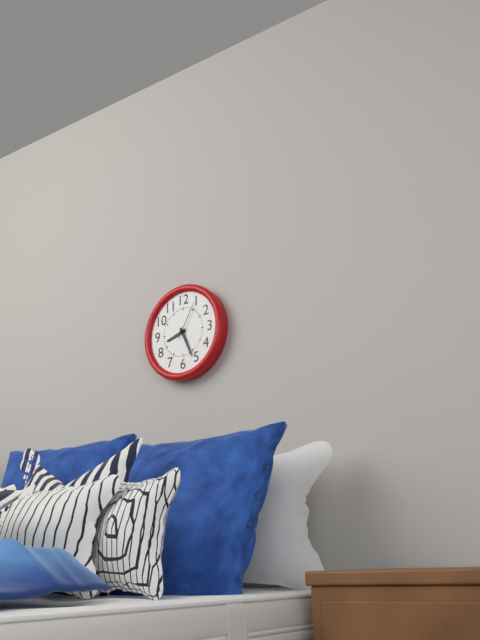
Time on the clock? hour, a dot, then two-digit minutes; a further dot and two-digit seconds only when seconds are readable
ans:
8.26
